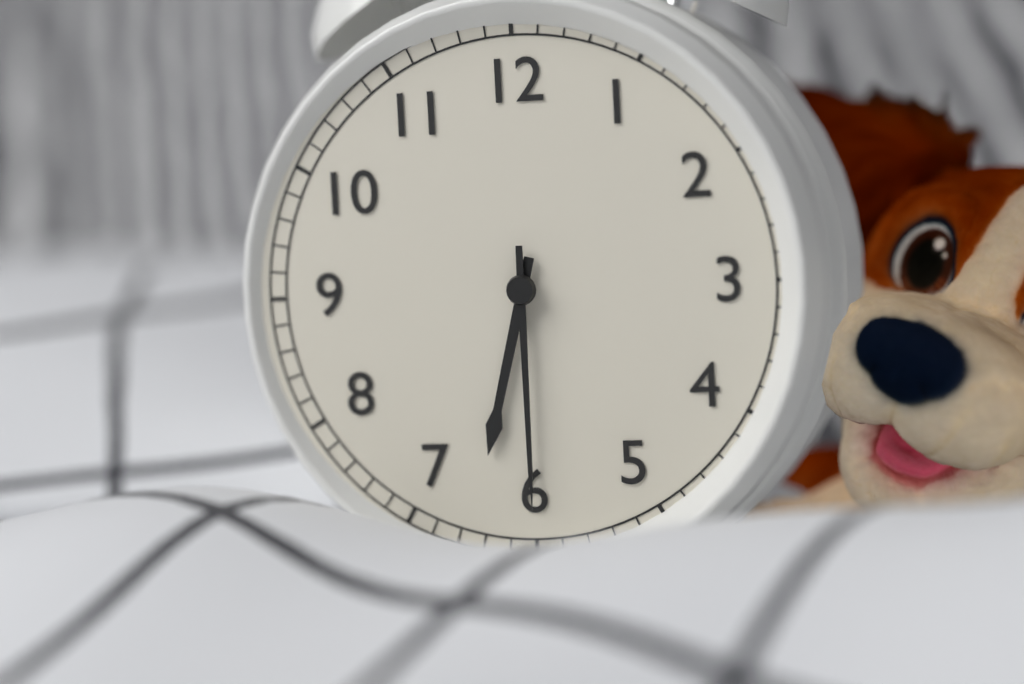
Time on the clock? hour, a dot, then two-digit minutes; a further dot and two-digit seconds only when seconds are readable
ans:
6.30
